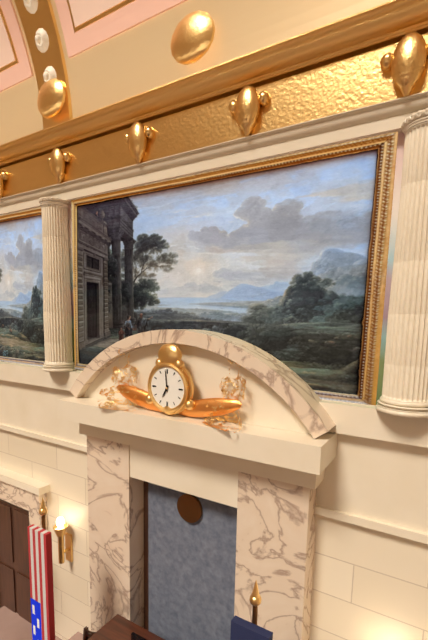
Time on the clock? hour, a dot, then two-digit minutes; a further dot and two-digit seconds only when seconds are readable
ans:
6.59
